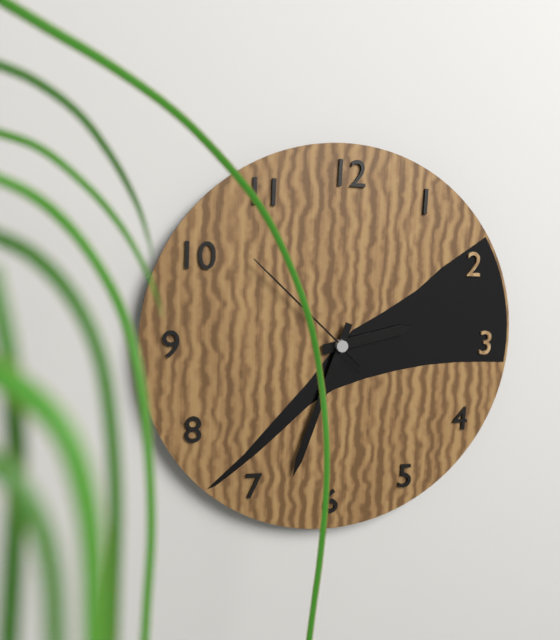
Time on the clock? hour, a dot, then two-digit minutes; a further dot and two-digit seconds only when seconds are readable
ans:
2.33.52
